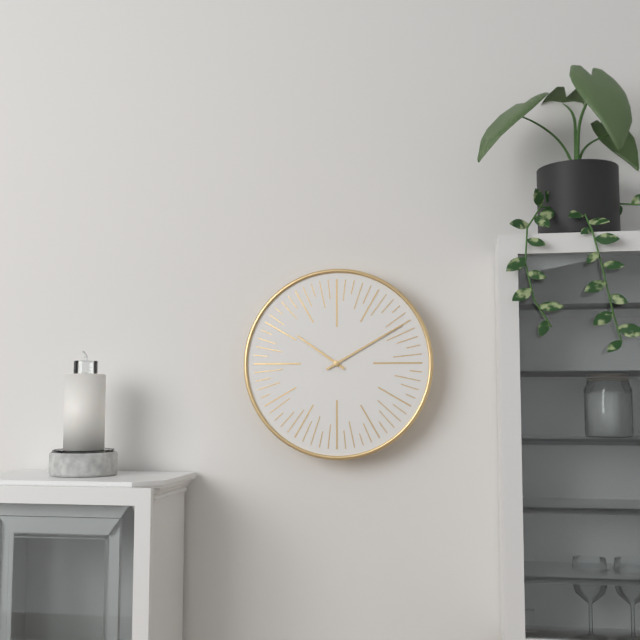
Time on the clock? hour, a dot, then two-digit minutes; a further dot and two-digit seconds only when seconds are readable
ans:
10.10
